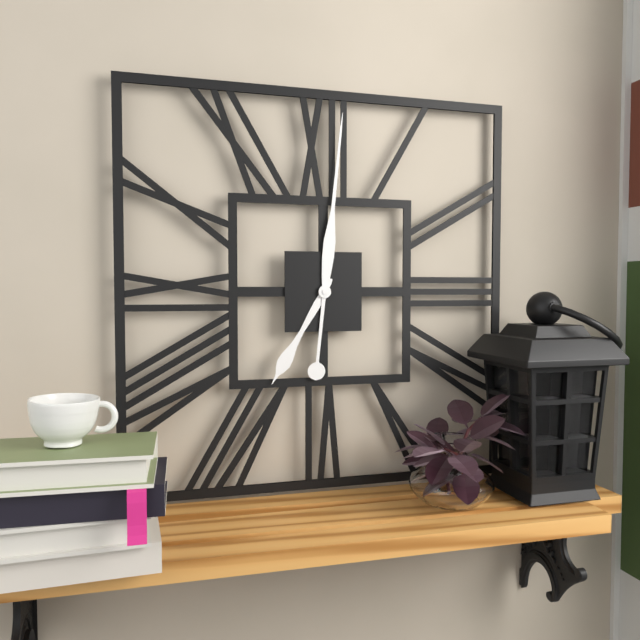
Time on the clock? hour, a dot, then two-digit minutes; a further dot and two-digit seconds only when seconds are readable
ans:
7.01
